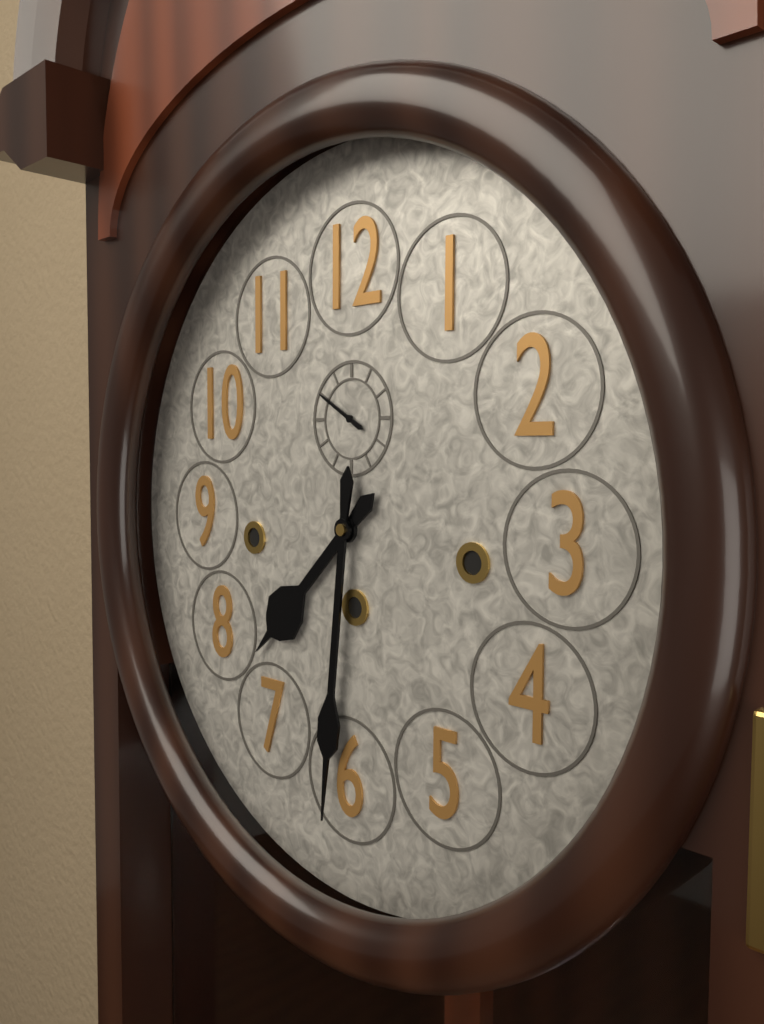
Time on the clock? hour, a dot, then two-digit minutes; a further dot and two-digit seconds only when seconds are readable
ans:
7.31
